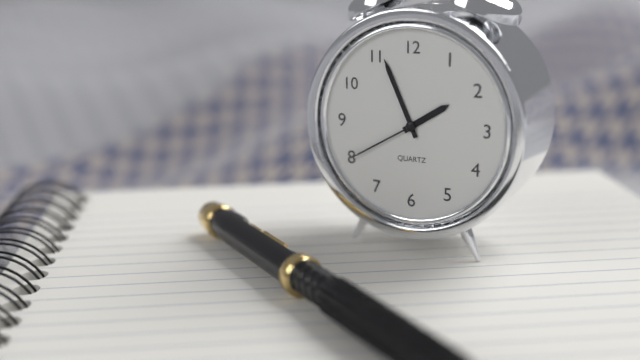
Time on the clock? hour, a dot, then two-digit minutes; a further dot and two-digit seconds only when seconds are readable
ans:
1.56.40
